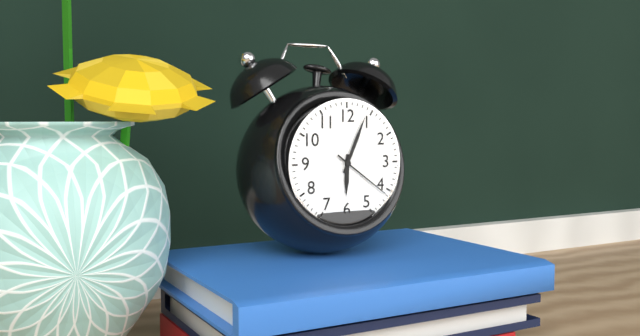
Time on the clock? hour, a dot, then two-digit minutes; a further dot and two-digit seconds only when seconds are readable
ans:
6.04.21
